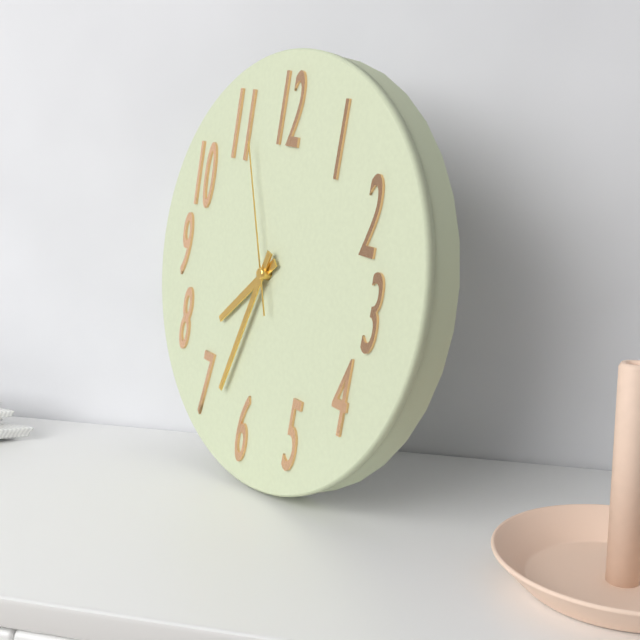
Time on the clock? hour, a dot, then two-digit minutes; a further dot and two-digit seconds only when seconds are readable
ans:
7.33.56
